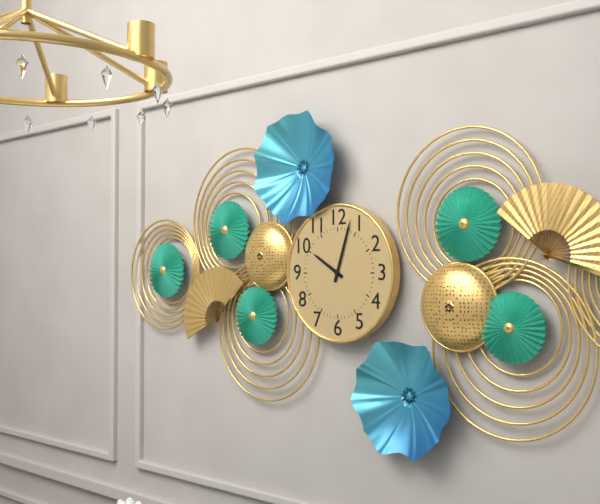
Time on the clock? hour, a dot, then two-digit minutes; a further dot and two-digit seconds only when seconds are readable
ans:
10.03
